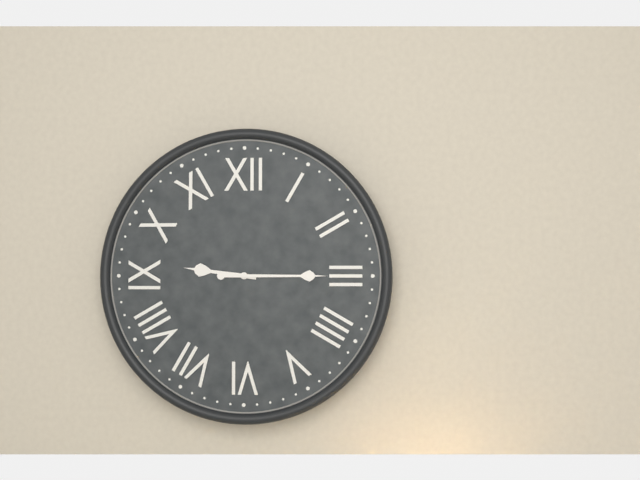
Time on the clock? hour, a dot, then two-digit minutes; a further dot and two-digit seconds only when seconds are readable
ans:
9.15
